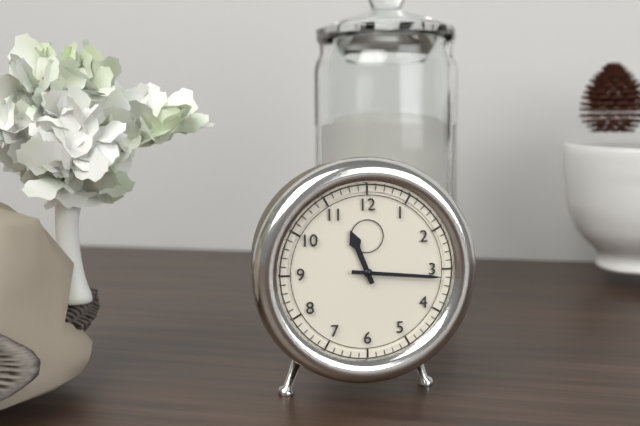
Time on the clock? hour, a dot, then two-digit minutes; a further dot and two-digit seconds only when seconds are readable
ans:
11.16
